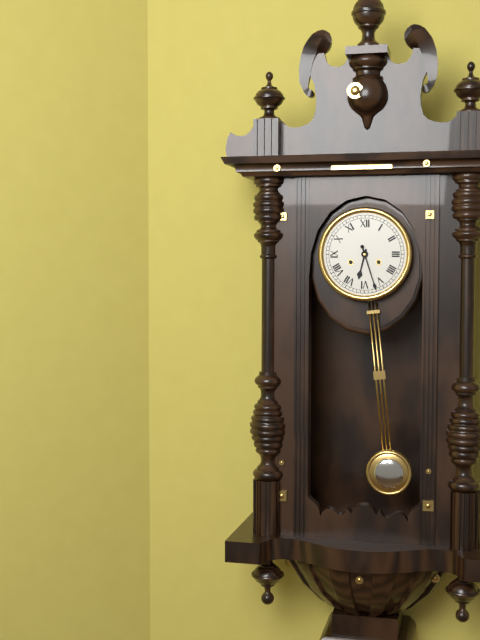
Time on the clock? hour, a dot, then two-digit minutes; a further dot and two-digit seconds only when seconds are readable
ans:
6.27
